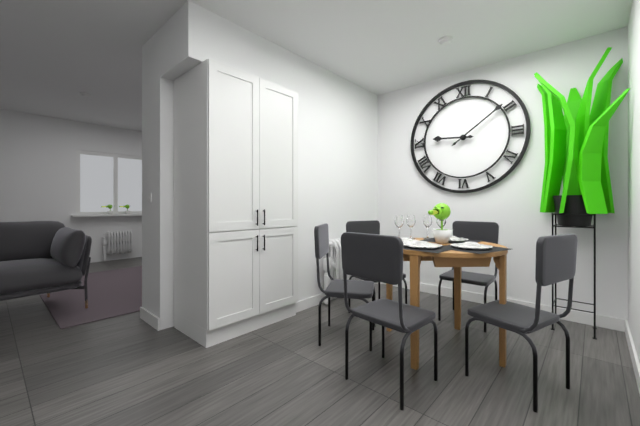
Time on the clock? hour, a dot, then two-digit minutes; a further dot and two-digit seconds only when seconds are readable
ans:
9.09
